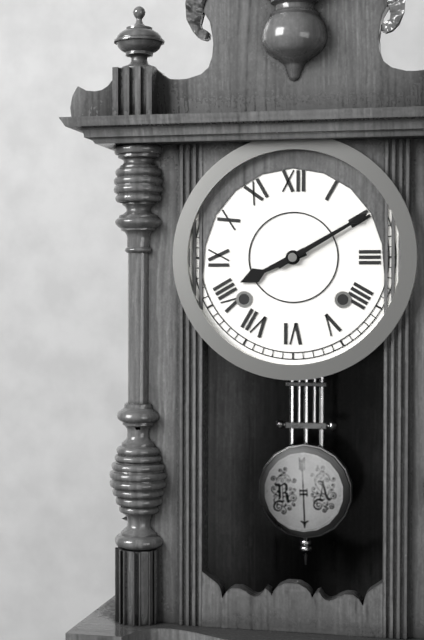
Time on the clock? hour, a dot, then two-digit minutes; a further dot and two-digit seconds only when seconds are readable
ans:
8.10
